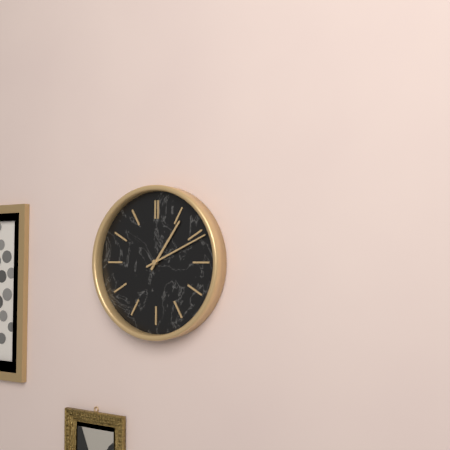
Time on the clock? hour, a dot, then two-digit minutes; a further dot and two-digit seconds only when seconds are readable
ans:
1.11
